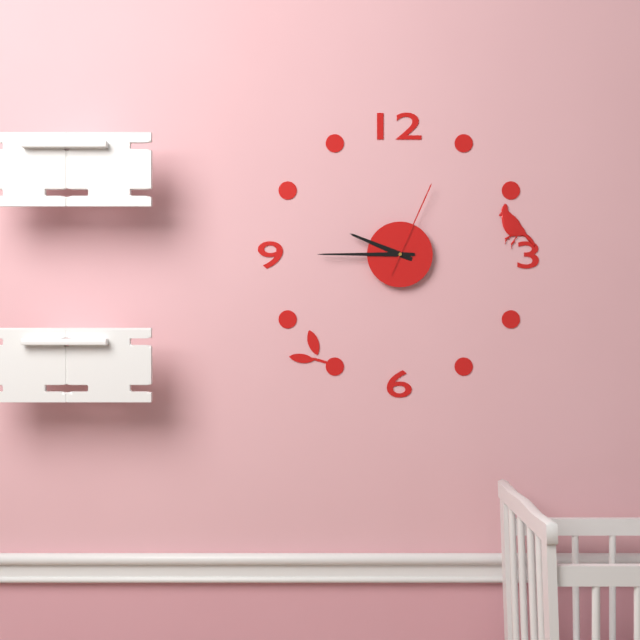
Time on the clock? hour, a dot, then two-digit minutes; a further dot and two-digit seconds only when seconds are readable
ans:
9.45.04
